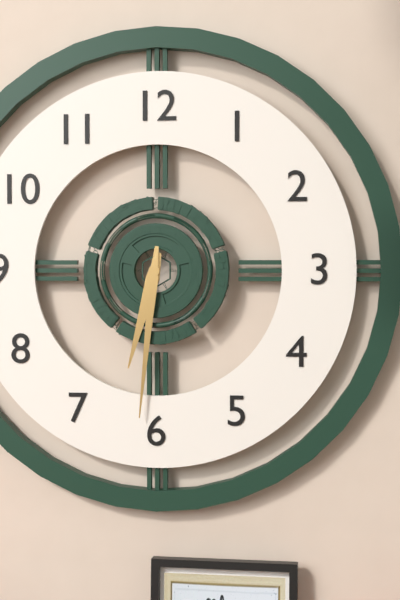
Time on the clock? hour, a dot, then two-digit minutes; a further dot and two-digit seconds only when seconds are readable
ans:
6.31
